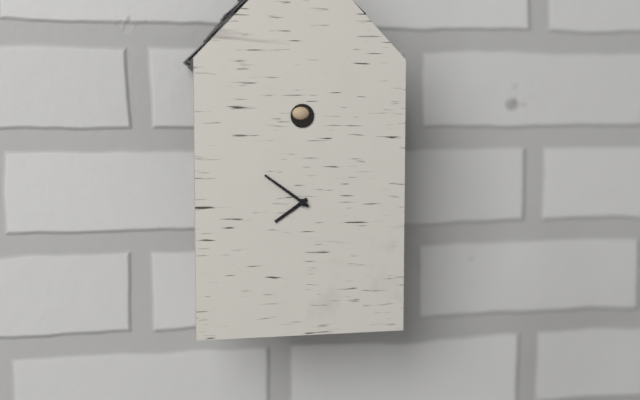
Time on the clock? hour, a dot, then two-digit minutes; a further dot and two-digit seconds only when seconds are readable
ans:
7.51
